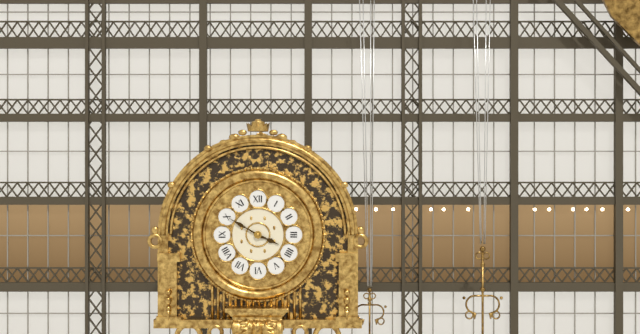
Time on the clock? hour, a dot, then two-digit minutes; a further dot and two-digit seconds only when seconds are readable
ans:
3.50
